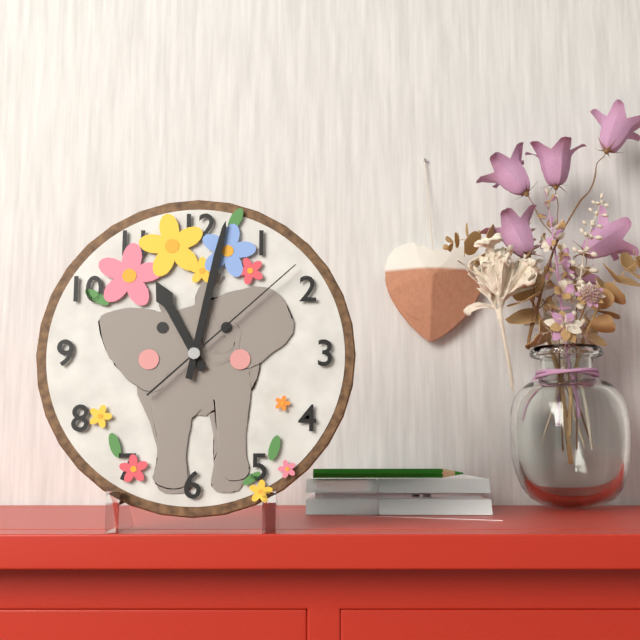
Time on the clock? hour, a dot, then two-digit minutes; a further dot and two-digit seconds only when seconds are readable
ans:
11.02.08
